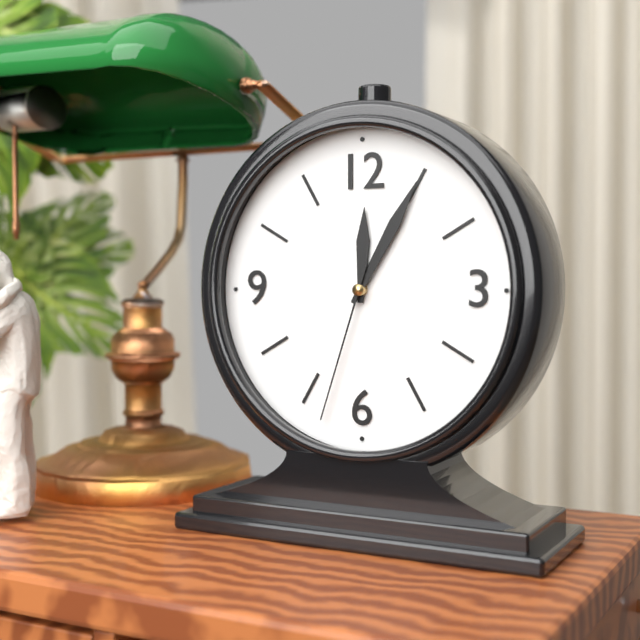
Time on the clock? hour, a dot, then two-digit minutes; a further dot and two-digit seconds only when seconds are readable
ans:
12.05.33
